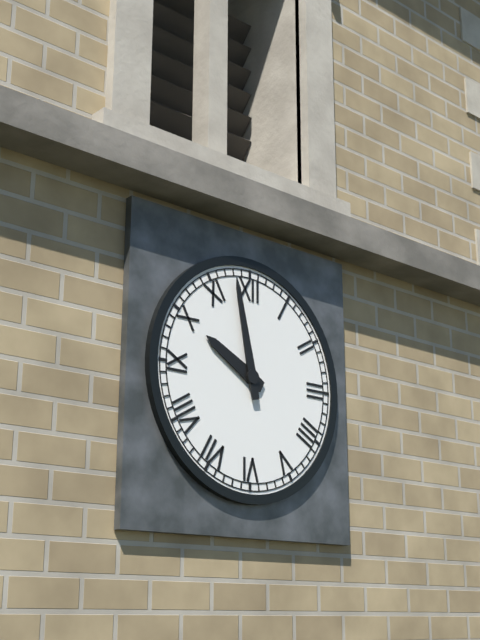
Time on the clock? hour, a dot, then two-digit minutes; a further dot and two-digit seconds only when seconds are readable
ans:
9.58
